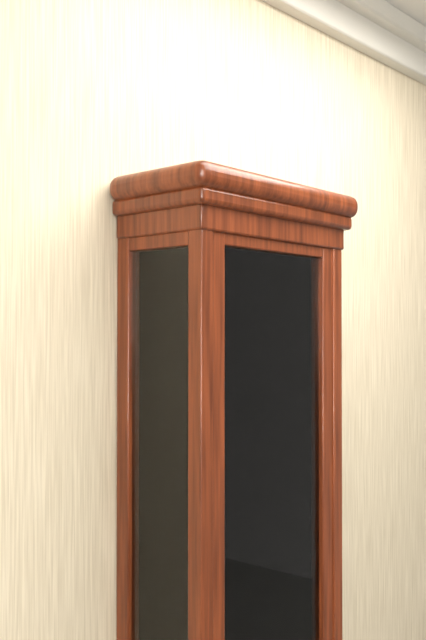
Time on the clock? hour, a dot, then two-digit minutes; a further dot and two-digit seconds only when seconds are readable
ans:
1.27
